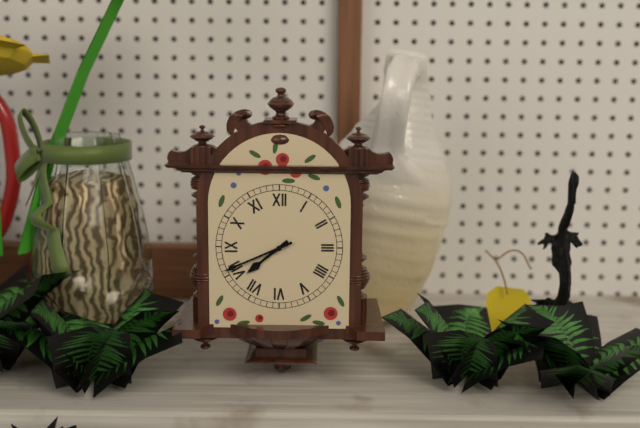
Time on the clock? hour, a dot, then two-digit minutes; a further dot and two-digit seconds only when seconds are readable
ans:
7.41
